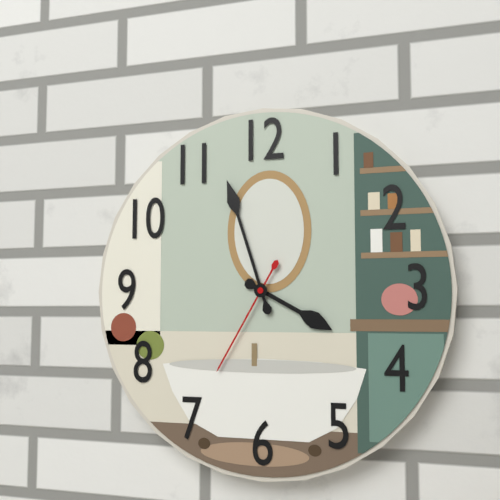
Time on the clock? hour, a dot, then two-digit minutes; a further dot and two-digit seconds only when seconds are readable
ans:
3.57.35
